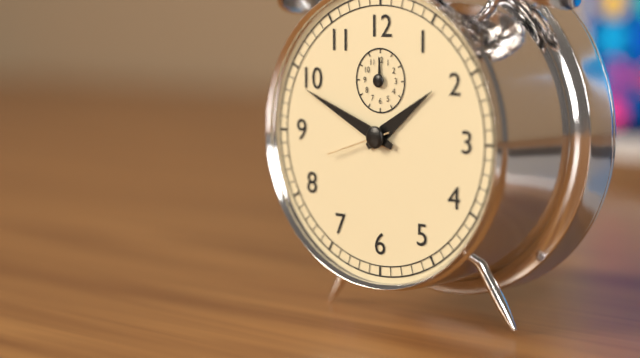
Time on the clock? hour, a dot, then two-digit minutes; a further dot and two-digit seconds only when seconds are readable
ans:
1.49.42
